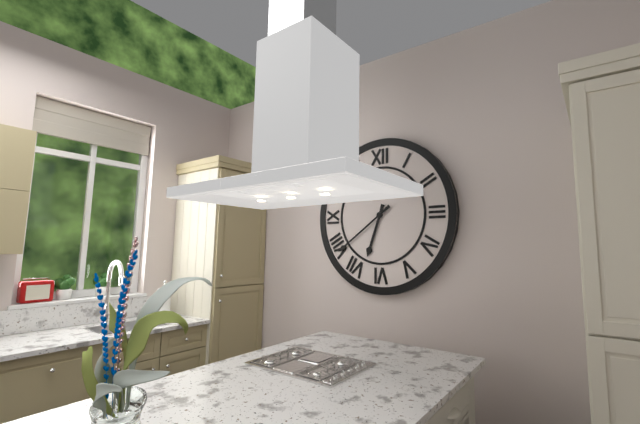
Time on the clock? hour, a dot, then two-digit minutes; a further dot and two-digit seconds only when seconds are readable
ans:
6.39
